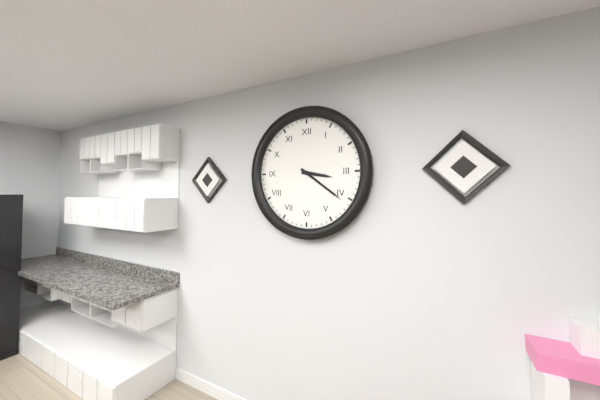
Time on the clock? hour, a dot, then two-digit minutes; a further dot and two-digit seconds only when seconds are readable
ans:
3.21
